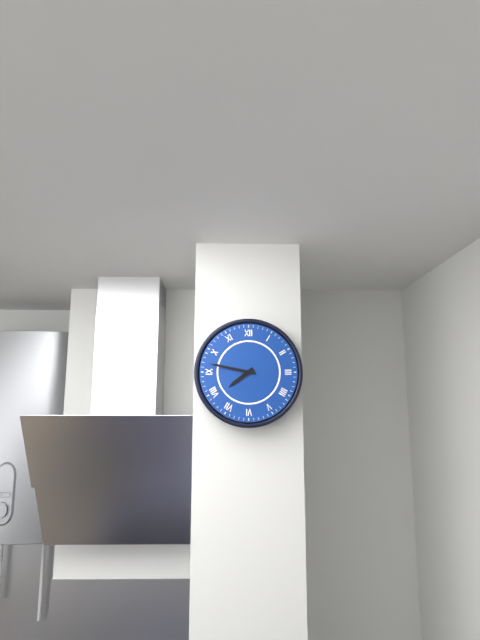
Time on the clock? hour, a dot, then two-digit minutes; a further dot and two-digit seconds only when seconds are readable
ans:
7.47
